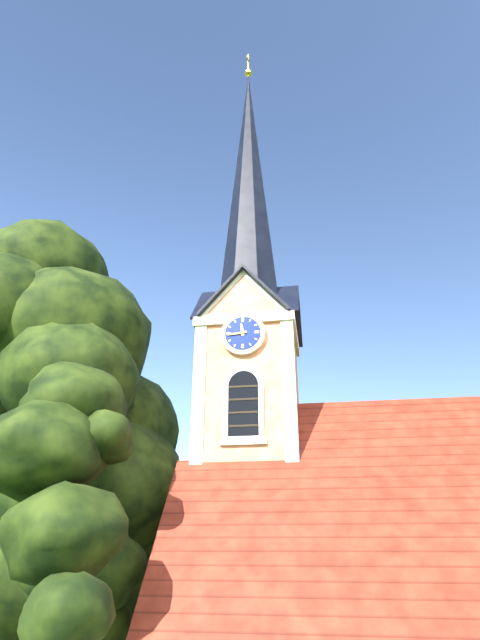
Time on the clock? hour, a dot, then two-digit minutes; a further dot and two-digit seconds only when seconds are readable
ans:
11.44
